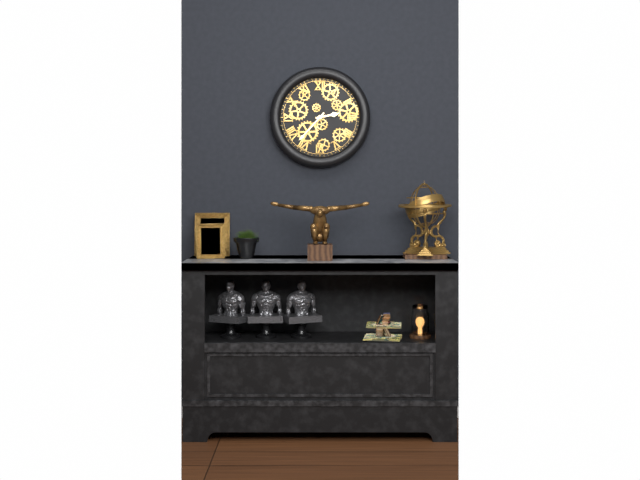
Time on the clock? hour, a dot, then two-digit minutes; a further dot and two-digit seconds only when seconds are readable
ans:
2.37
